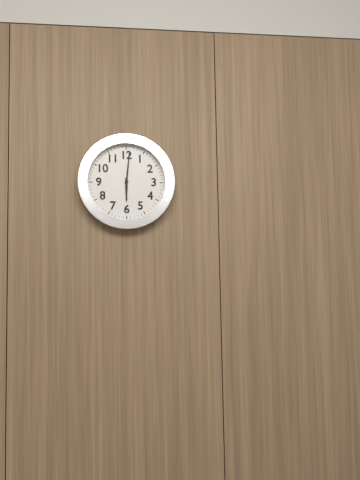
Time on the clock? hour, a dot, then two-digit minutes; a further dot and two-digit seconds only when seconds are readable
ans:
6.01
